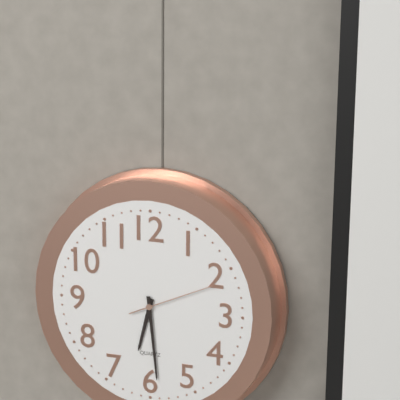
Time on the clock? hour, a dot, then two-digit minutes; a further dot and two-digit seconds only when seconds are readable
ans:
6.29.11
